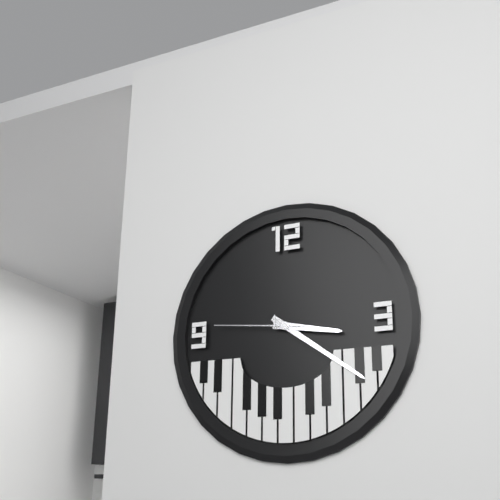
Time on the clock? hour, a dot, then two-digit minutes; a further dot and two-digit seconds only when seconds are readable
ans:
3.21.46
